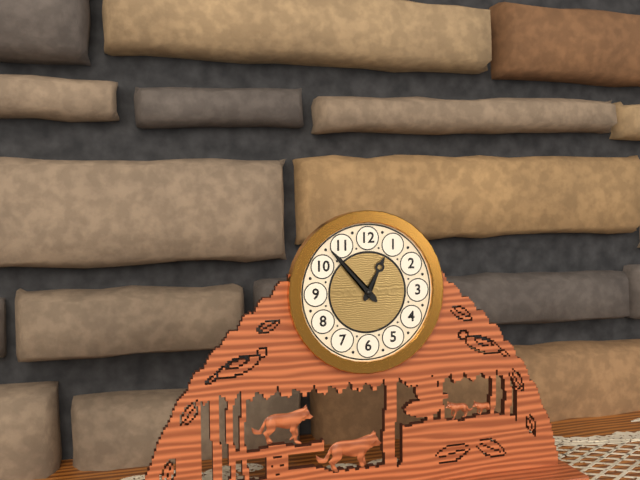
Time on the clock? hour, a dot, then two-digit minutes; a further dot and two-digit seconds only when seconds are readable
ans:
12.53
